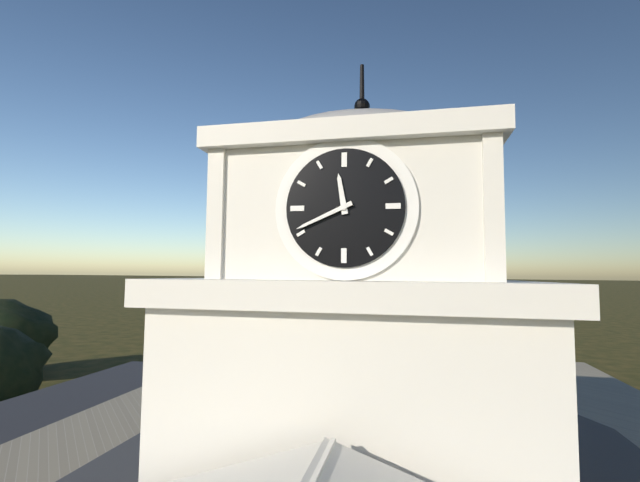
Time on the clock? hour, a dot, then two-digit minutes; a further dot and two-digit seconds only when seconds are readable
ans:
11.41
